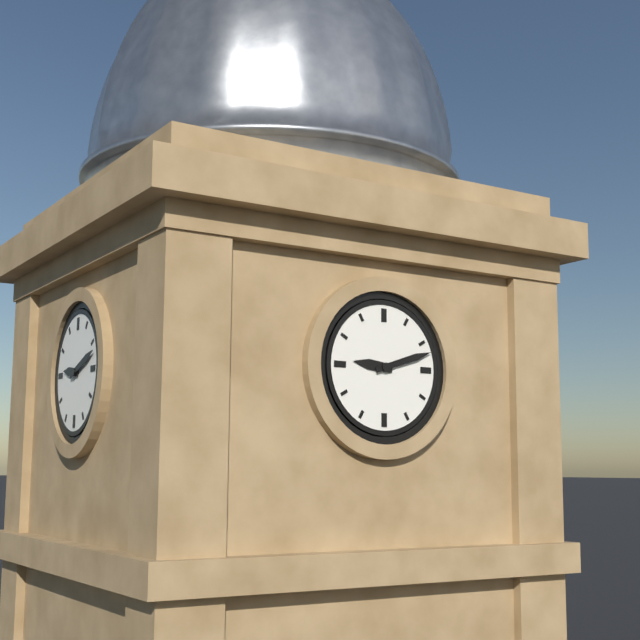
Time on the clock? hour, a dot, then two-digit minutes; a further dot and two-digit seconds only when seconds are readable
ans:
9.12
